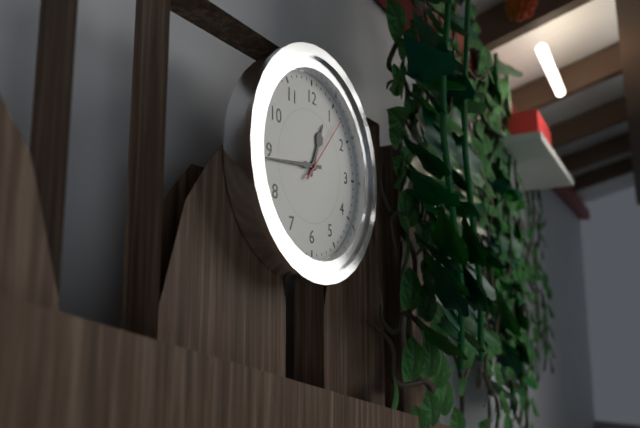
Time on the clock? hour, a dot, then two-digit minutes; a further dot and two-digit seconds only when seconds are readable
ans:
12.44.07
